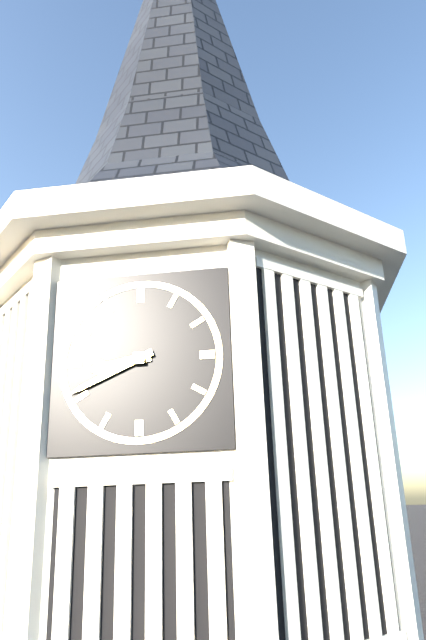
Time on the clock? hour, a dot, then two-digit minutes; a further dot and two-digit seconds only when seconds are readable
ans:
8.41
